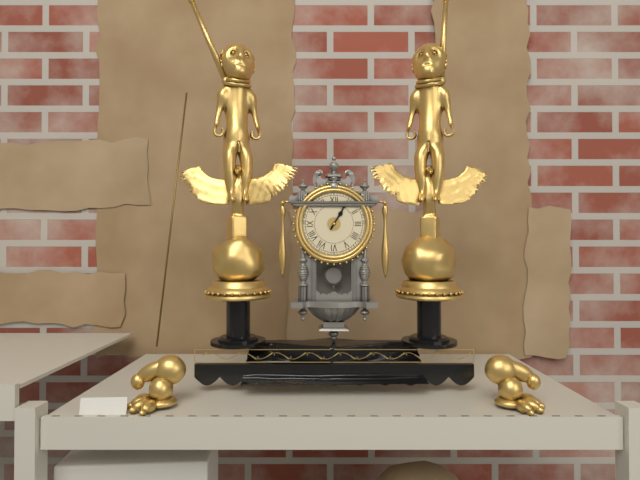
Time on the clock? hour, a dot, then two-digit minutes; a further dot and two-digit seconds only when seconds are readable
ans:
1.05
